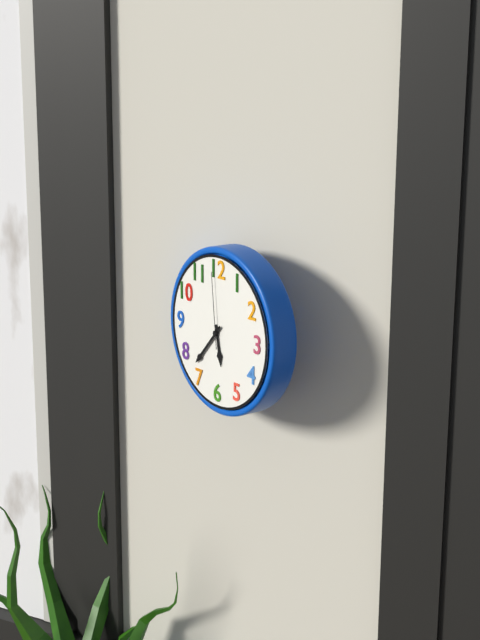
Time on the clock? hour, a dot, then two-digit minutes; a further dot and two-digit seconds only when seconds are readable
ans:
5.37.59
